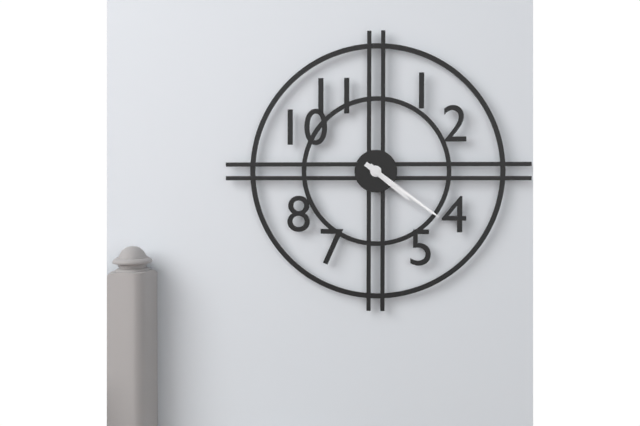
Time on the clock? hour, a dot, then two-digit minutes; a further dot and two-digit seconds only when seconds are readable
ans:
4.21
